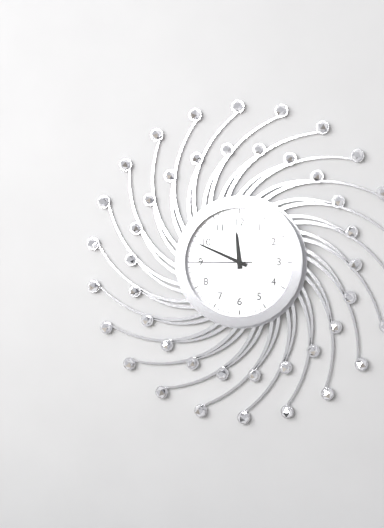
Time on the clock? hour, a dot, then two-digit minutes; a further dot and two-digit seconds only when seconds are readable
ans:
11.49.45
